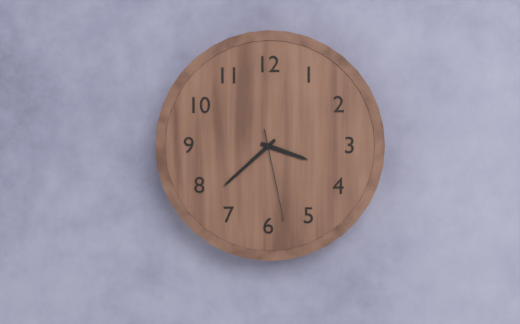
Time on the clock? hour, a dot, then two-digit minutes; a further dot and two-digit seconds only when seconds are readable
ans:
3.38.28
